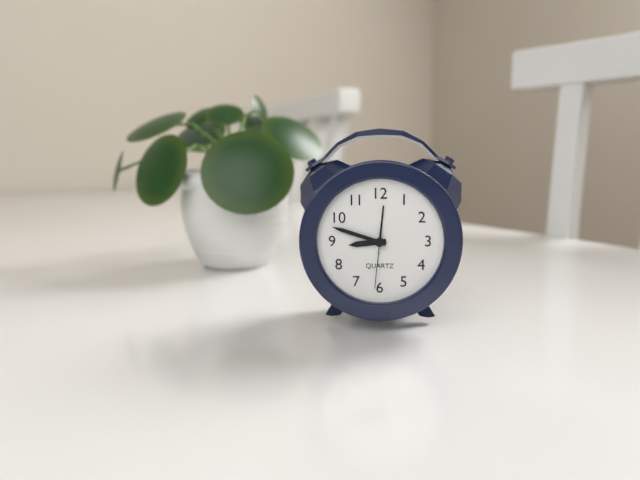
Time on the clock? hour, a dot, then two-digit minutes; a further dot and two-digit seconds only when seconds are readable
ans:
8.48.31
